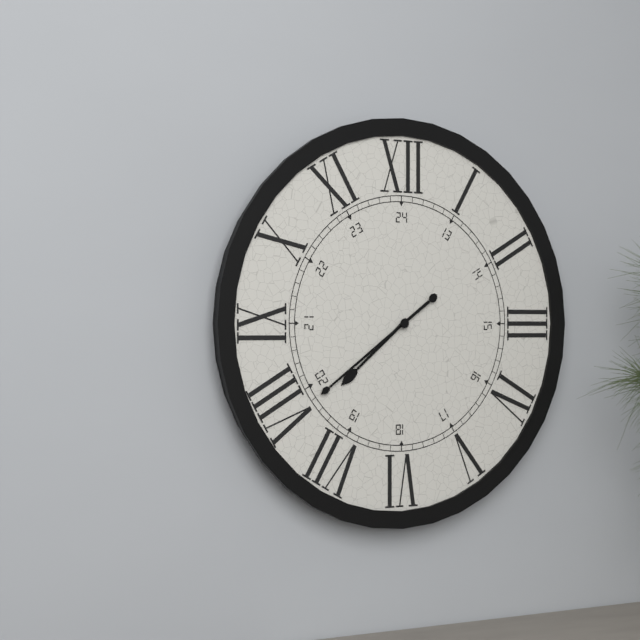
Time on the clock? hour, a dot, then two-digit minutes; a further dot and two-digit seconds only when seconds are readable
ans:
7.39
